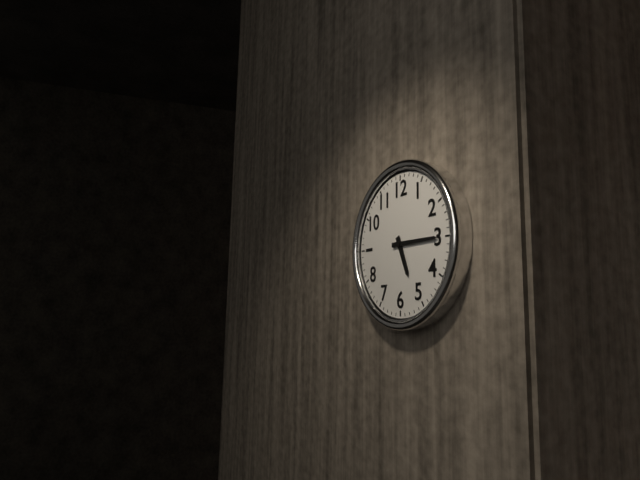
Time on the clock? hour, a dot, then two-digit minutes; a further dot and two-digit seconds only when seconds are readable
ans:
5.15
